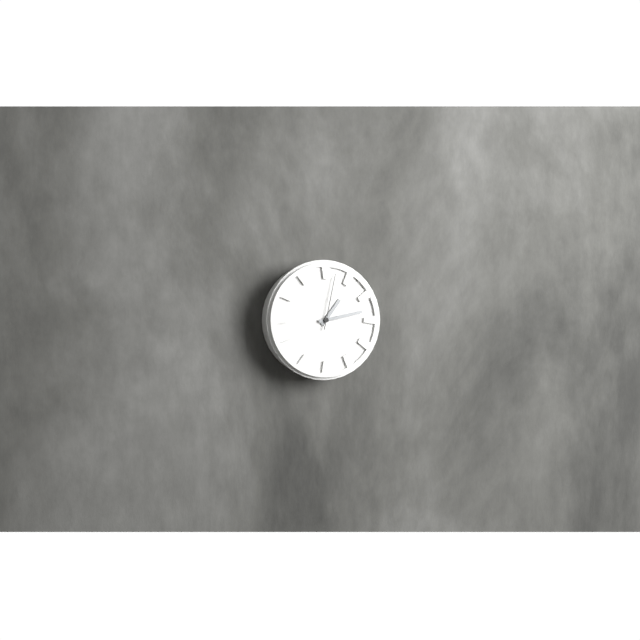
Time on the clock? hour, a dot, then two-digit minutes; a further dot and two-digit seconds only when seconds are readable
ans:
1.13.02
